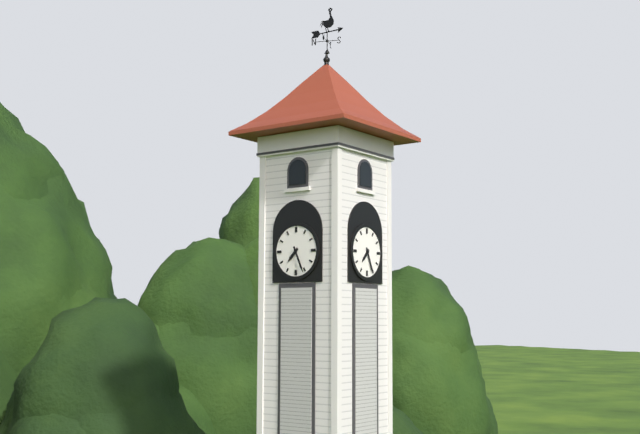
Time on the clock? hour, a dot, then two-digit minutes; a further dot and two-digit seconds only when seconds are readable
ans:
7.26
